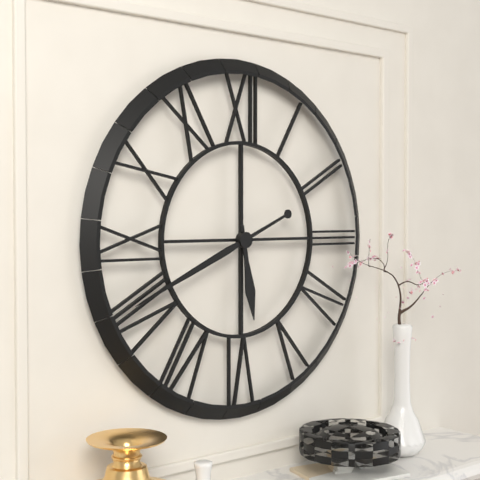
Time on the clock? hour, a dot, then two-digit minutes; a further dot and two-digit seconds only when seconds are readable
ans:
5.41
